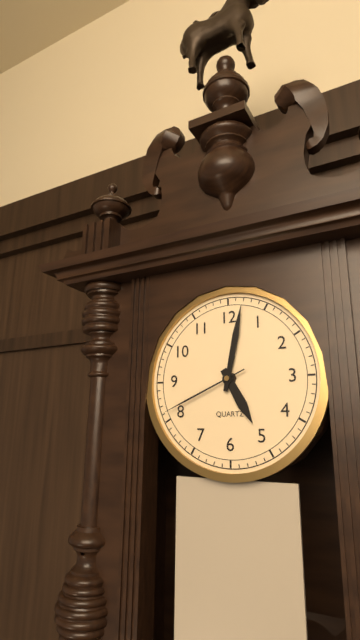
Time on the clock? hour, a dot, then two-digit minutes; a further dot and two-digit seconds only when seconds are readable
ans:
5.02.41
